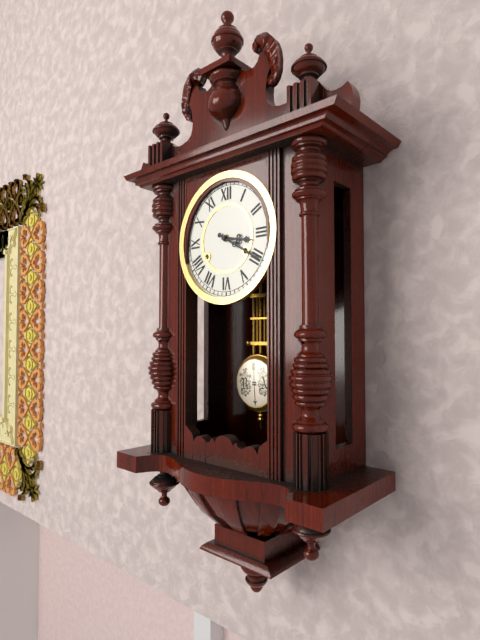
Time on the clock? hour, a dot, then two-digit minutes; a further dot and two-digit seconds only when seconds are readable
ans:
3.20
